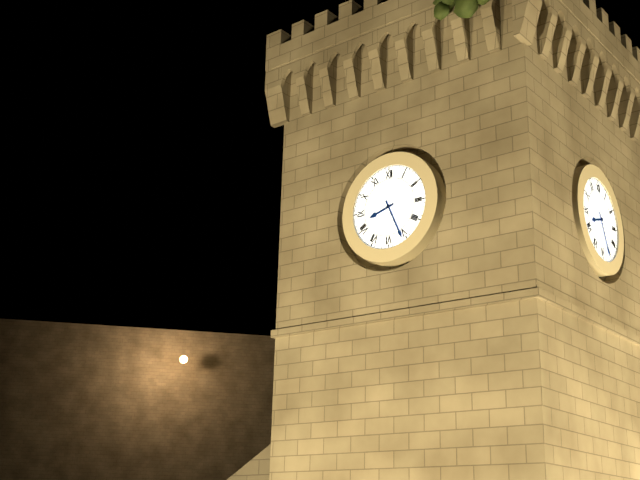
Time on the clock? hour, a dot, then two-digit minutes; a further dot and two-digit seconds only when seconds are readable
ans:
8.26
